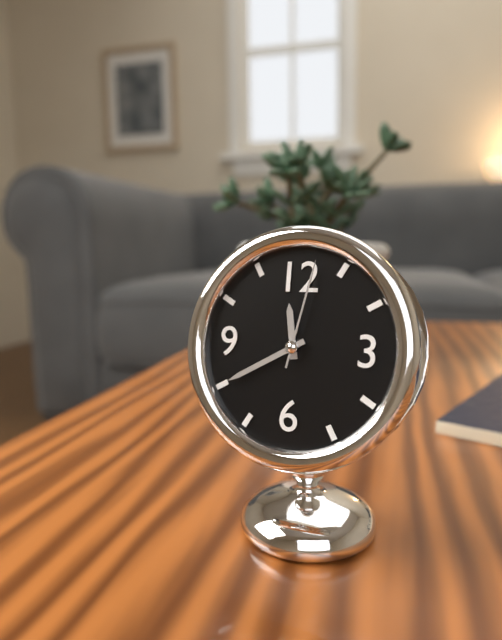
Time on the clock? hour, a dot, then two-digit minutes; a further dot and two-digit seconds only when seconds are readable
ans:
11.40.02
